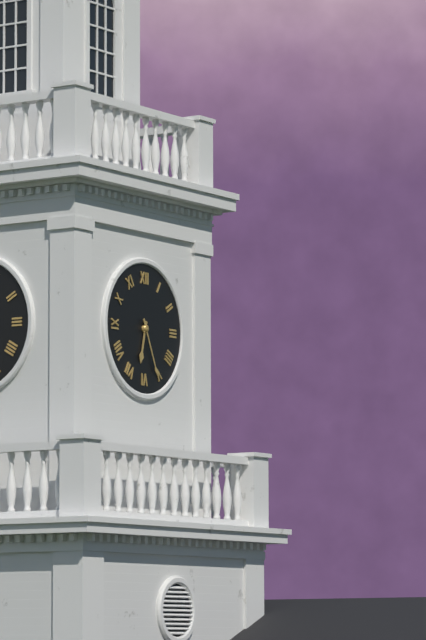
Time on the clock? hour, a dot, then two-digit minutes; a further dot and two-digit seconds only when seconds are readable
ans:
6.26
